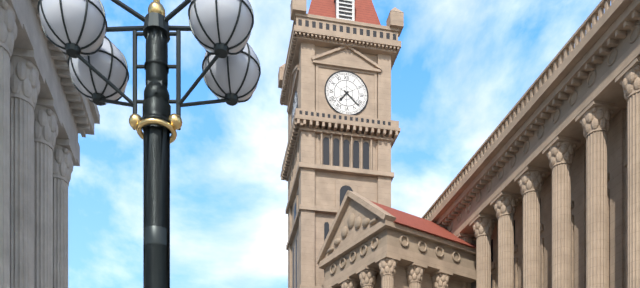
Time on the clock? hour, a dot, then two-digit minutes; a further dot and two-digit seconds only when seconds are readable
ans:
7.22
